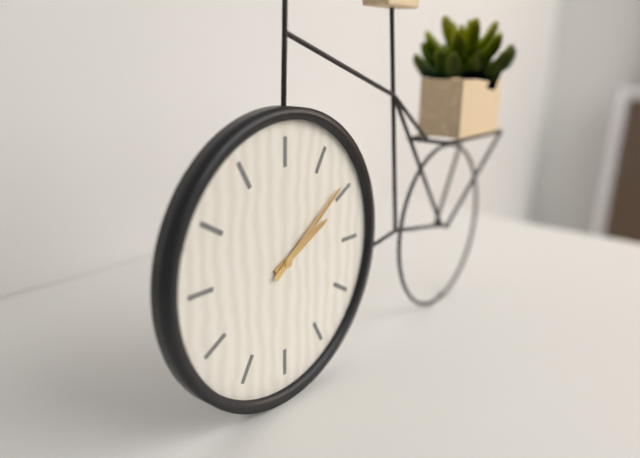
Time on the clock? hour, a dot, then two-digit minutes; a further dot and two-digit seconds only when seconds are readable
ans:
2.09
